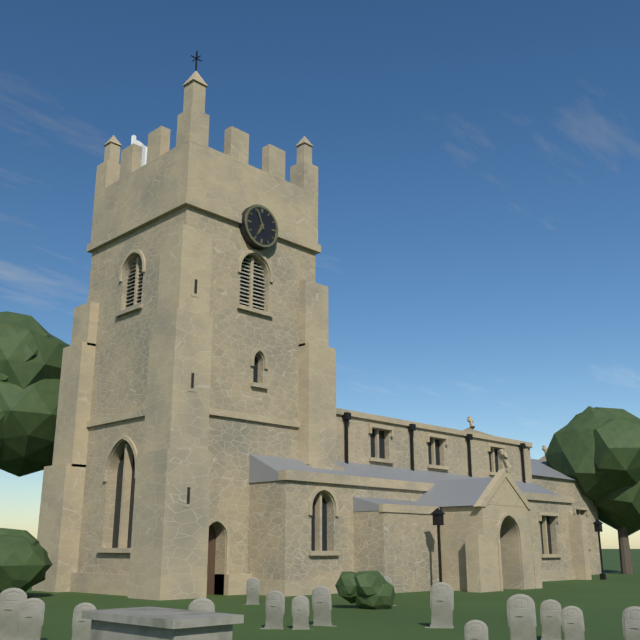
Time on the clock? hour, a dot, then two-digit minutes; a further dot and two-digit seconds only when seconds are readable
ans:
6.56
